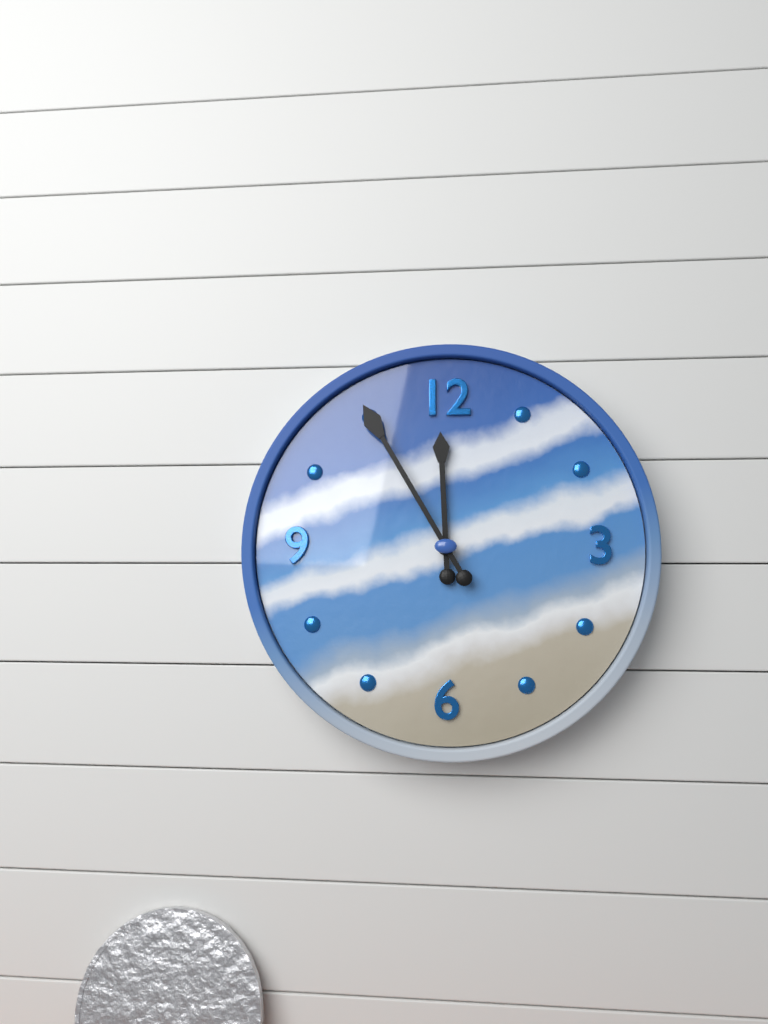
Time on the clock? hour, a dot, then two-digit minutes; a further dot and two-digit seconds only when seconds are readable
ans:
11.55
